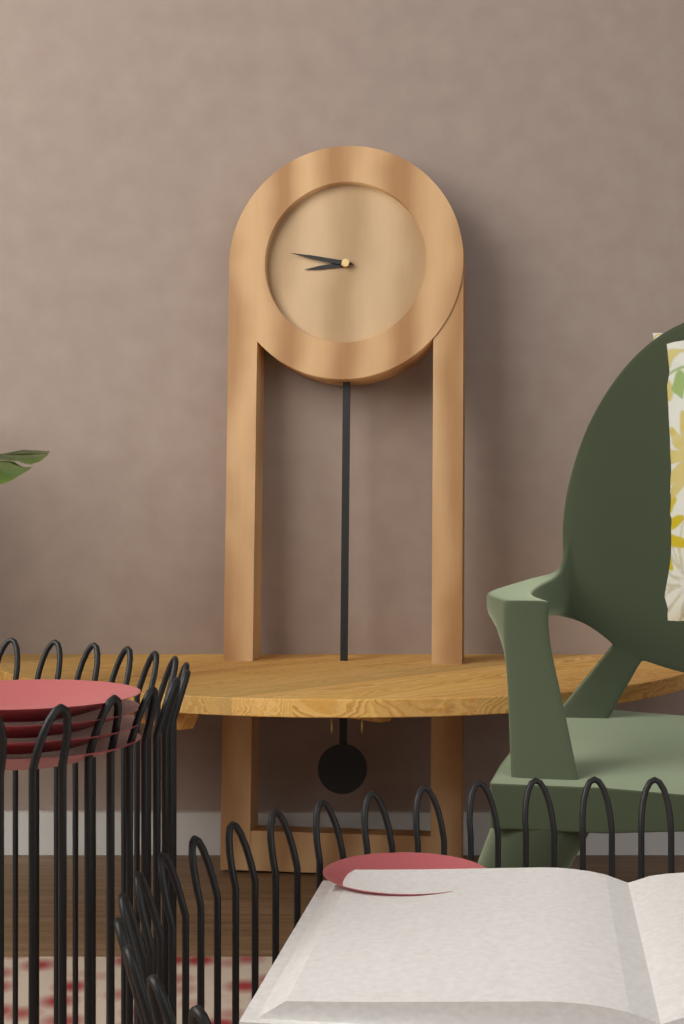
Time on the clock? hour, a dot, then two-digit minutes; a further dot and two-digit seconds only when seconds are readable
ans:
8.47
